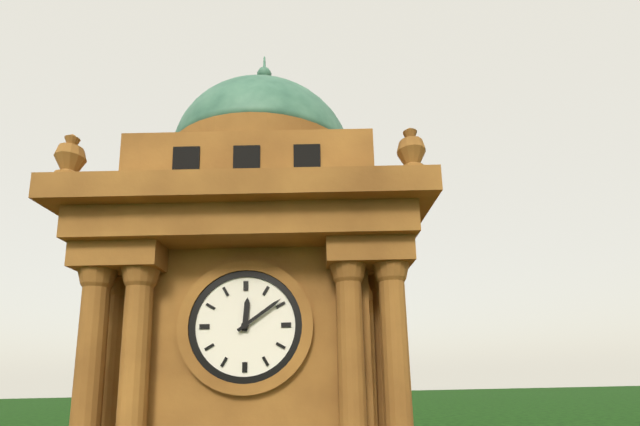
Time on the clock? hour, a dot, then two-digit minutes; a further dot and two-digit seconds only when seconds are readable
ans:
12.09
